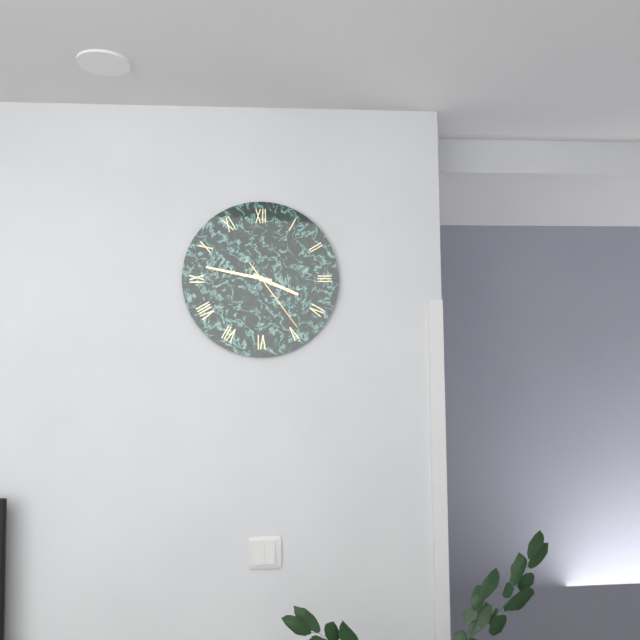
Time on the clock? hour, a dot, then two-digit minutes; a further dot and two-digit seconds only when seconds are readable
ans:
3.47.24
